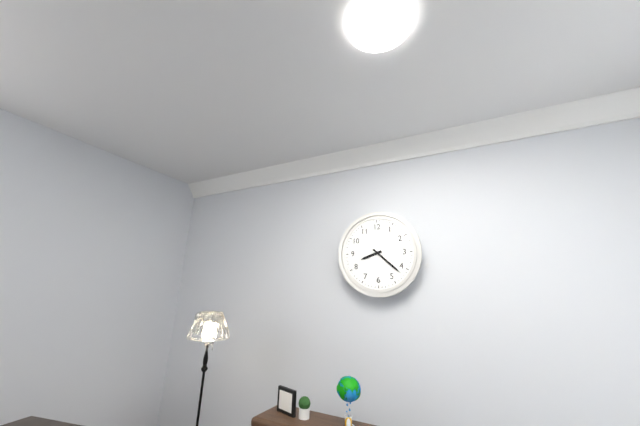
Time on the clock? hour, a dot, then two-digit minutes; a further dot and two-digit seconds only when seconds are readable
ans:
8.22
